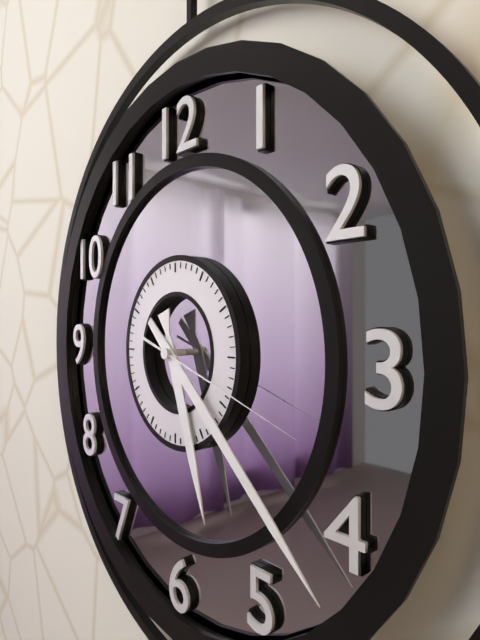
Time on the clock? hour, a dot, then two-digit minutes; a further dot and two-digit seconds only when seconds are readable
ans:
5.22.18
